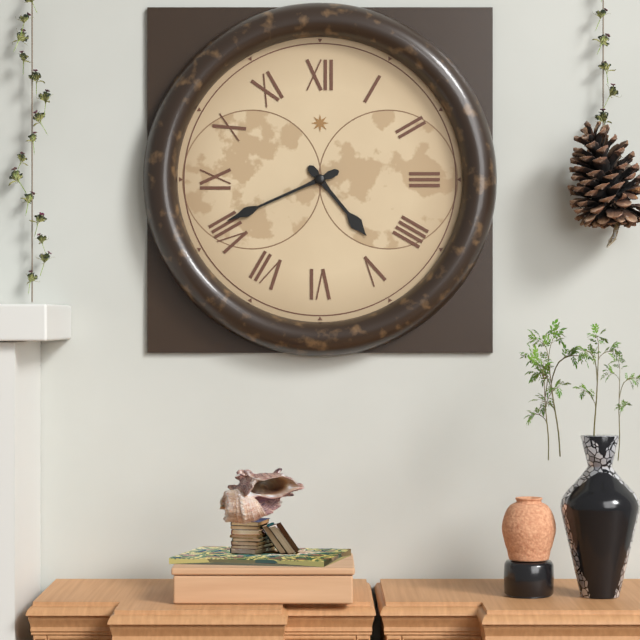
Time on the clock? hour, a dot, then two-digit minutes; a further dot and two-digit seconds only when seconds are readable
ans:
4.41
